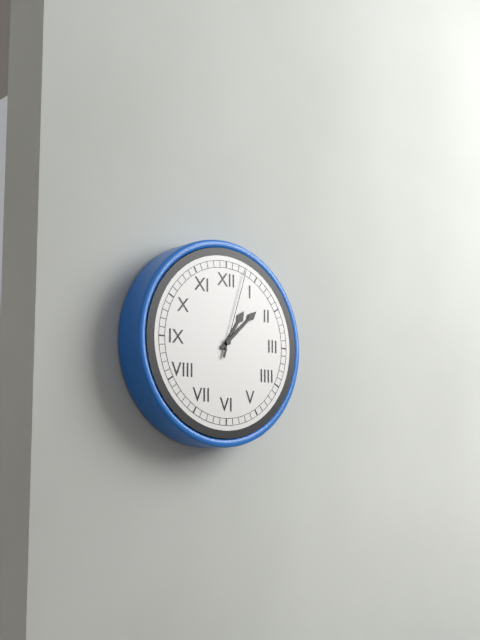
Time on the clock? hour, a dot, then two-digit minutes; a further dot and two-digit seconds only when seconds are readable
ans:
1.08.03
